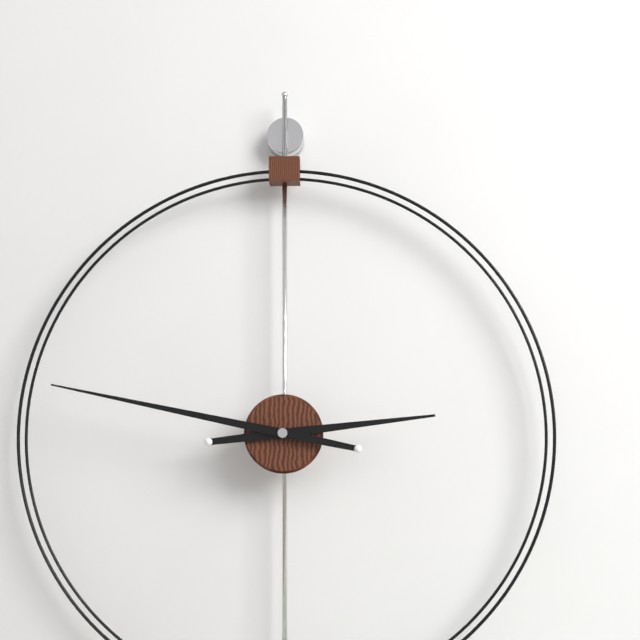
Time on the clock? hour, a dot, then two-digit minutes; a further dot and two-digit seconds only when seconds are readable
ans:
2.47
